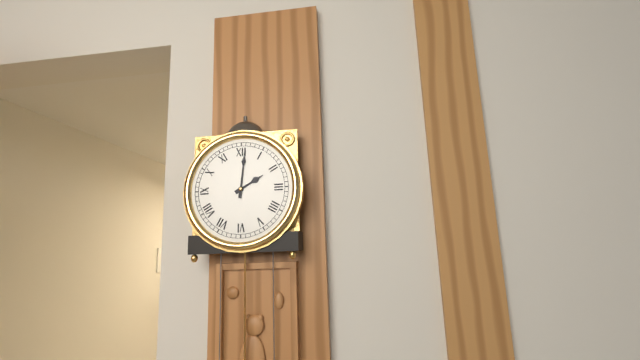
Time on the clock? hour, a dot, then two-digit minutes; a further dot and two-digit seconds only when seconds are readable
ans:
2.01
